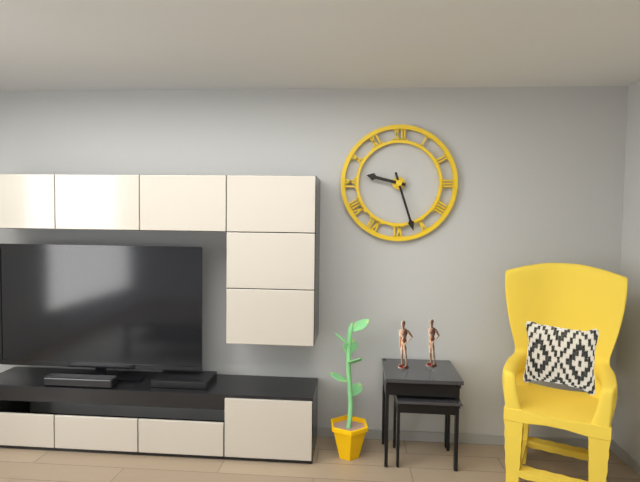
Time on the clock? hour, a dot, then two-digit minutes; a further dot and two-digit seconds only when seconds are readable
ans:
9.27
